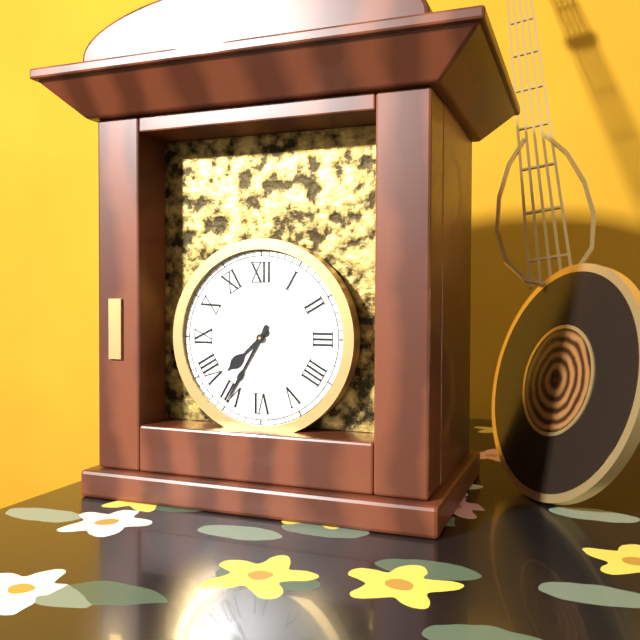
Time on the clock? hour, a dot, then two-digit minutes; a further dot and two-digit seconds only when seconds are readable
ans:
7.35
